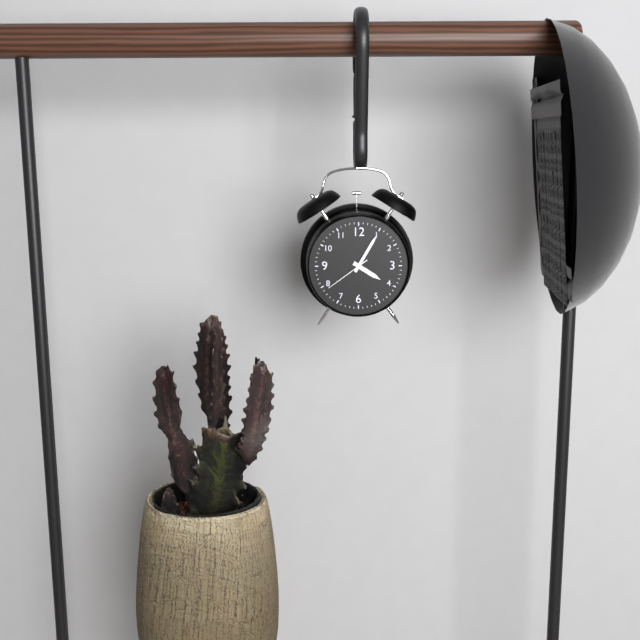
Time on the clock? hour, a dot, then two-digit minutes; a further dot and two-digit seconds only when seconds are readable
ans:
4.05
